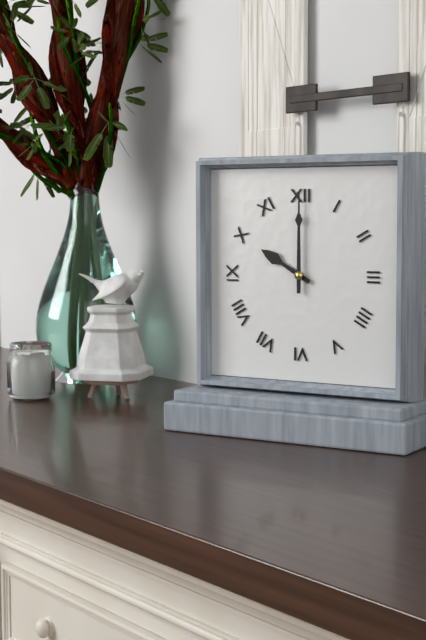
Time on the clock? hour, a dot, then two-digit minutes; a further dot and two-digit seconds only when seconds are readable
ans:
10.00
